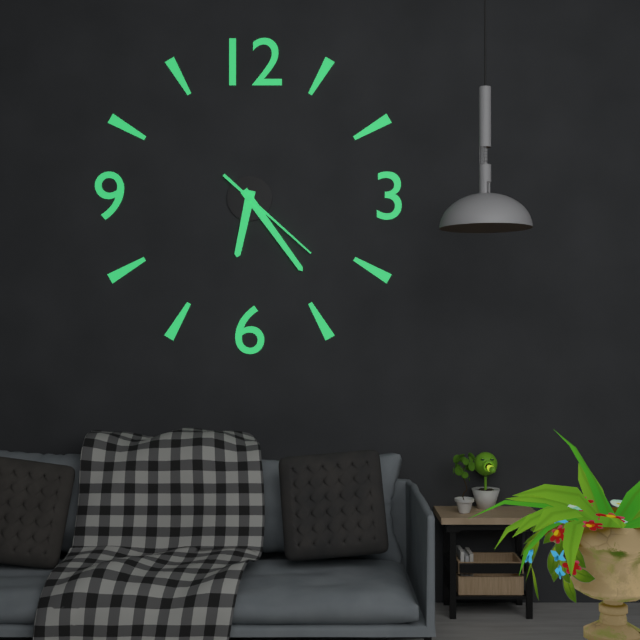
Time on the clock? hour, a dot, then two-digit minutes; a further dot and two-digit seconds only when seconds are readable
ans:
6.24.22
